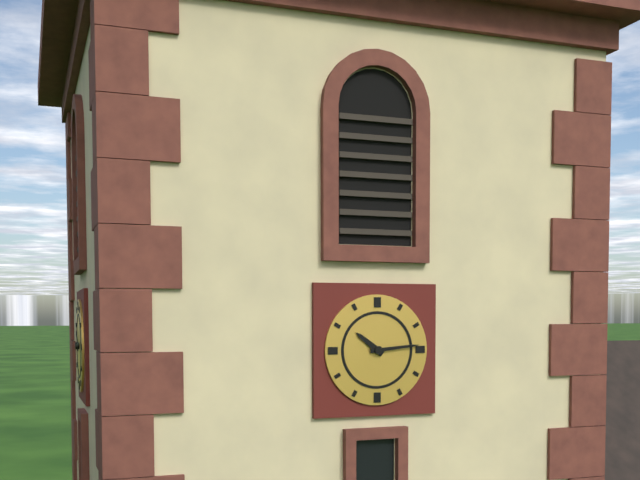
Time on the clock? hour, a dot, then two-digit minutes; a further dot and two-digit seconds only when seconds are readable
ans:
10.14
